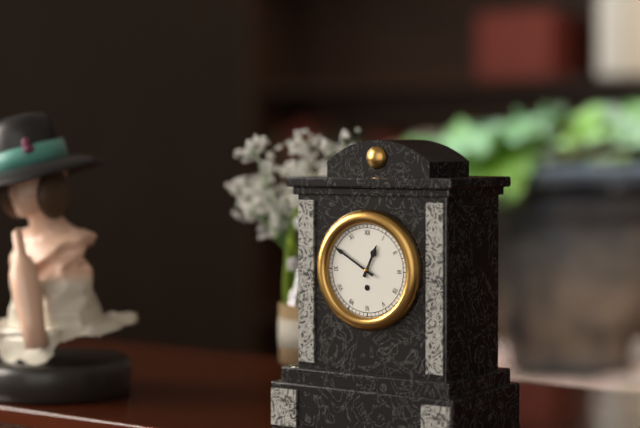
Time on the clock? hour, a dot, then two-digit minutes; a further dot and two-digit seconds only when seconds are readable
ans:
12.50
